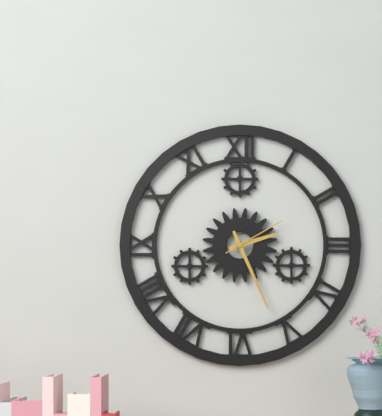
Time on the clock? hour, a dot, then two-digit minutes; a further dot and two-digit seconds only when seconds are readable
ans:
2.26.10
